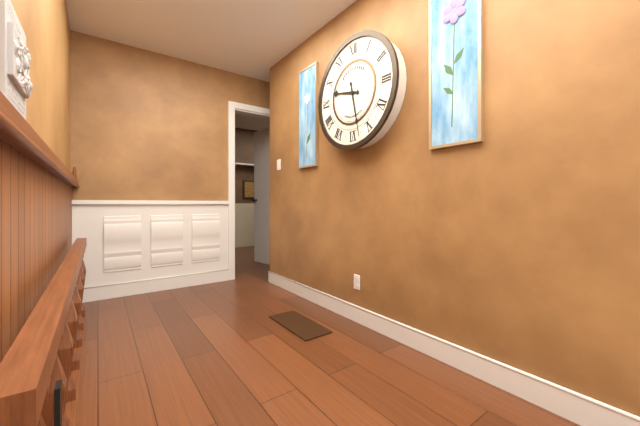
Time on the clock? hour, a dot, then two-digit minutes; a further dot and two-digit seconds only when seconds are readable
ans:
9.28
